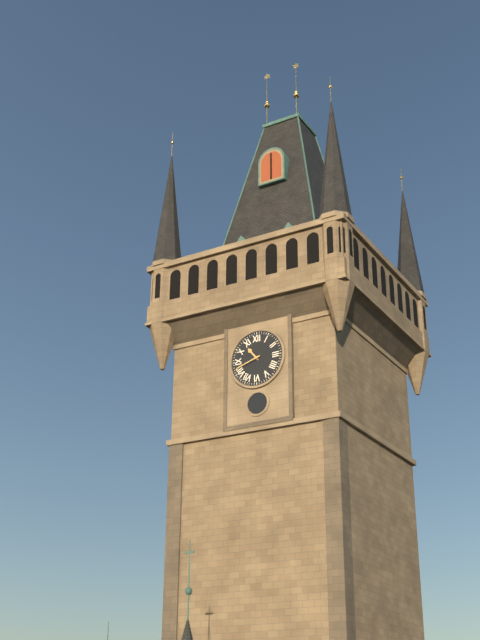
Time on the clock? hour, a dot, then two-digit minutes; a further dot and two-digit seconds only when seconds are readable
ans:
10.42
